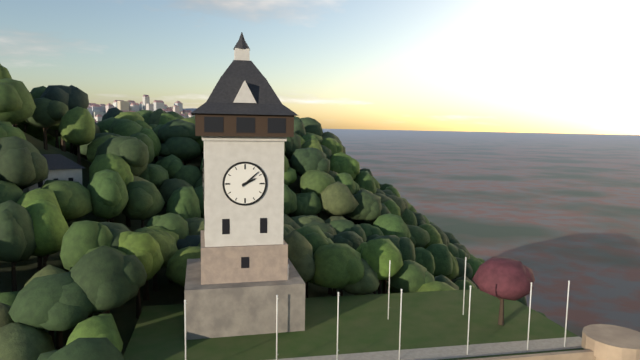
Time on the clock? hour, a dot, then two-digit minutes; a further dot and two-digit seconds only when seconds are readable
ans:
2.08
